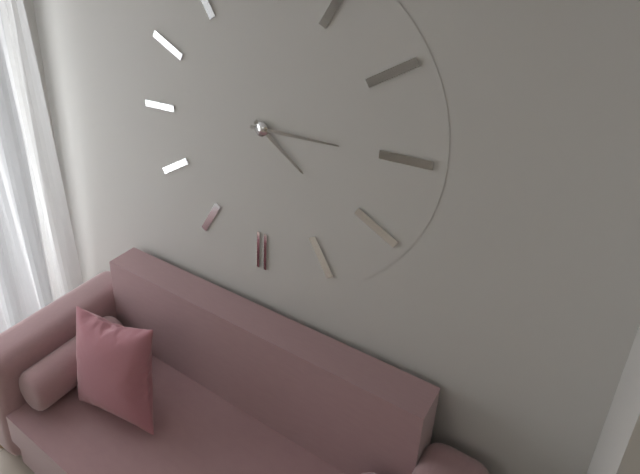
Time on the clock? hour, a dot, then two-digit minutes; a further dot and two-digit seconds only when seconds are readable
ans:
4.15
